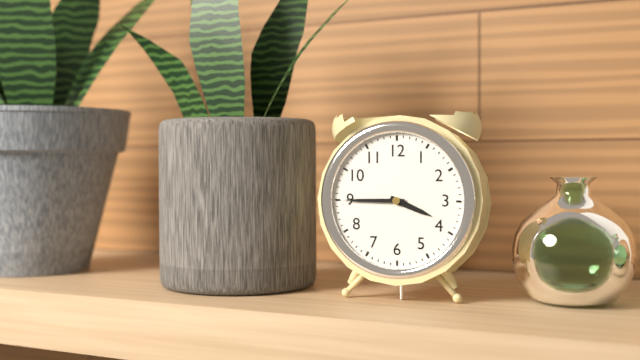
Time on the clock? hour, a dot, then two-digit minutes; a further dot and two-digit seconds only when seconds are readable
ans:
3.45
